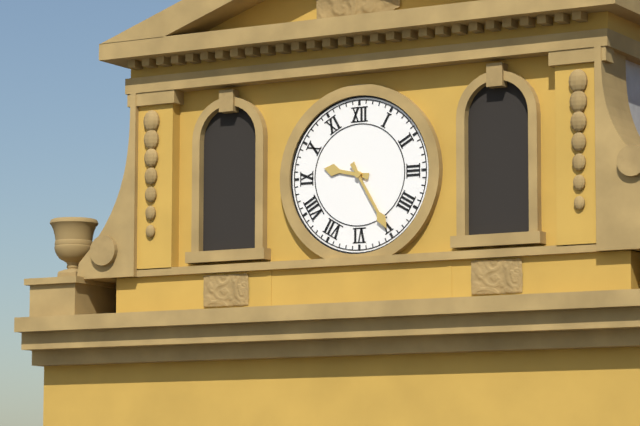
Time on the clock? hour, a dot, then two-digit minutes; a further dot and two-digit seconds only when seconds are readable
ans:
9.25
